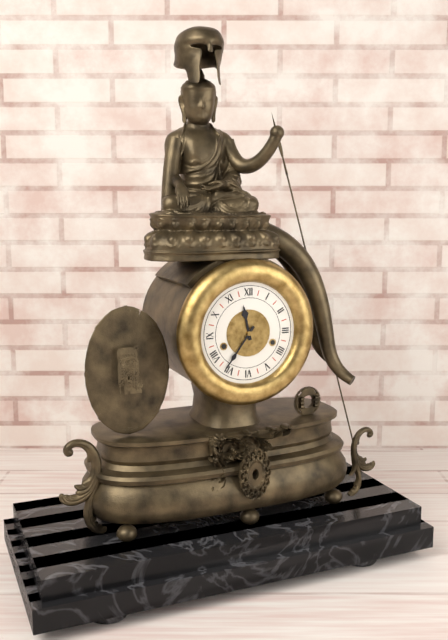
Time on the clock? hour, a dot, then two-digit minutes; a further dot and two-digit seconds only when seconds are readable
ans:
11.36
